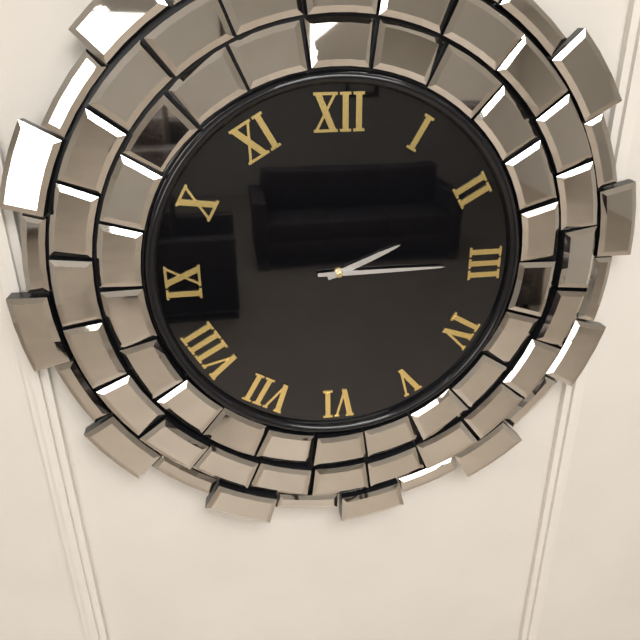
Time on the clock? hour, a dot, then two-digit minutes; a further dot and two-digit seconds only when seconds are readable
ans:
2.15
